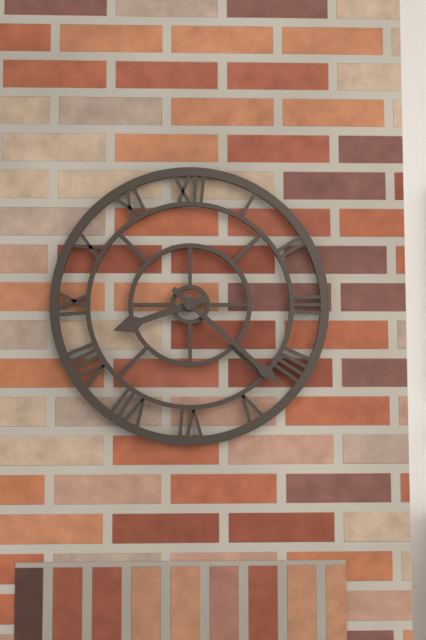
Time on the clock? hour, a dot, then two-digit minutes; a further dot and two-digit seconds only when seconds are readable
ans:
8.22
